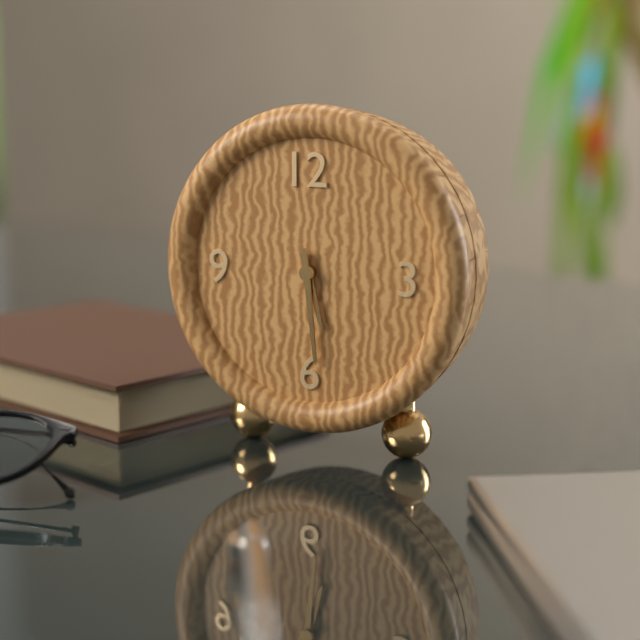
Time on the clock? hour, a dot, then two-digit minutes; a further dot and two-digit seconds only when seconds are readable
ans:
5.29
